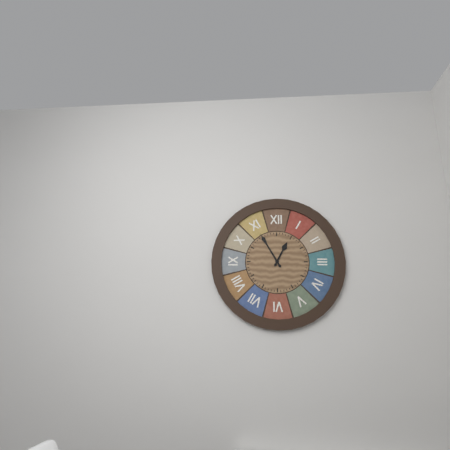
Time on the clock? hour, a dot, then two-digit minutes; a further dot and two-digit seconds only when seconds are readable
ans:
12.55
